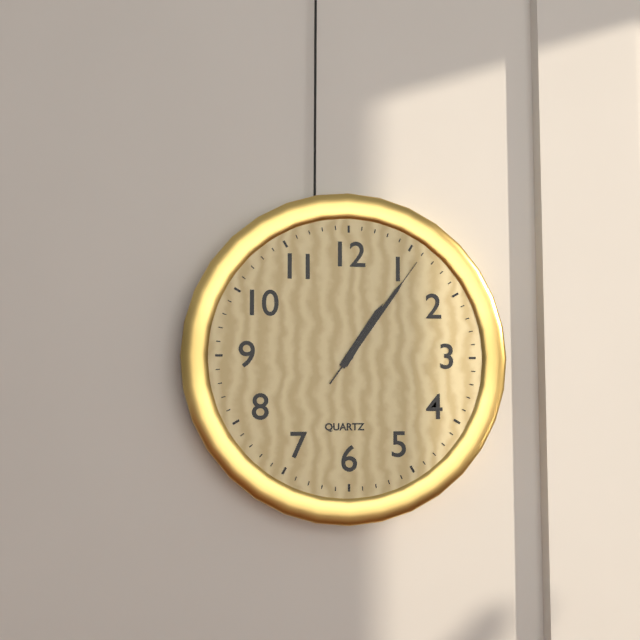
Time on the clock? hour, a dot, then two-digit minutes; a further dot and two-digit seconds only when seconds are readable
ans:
1.06.06
